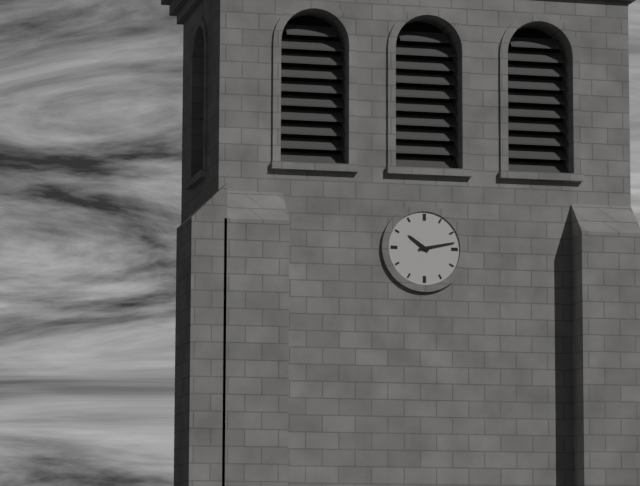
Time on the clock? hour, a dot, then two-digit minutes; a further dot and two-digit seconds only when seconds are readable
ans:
10.13
